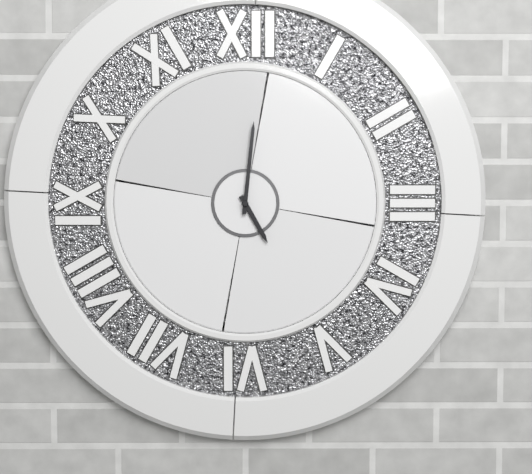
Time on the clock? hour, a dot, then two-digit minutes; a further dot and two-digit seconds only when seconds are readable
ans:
5.01
